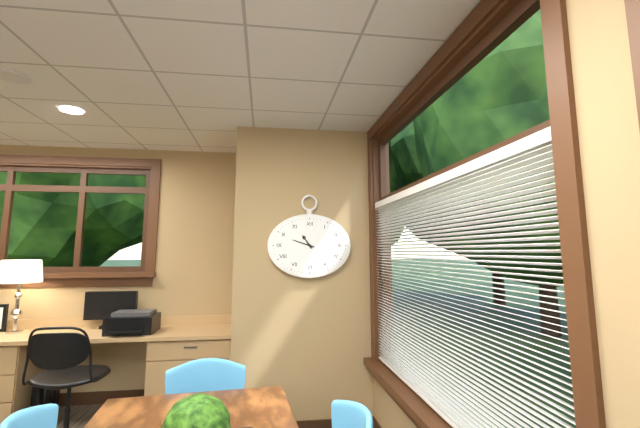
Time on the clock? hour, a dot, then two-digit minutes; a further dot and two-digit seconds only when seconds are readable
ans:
10.48
